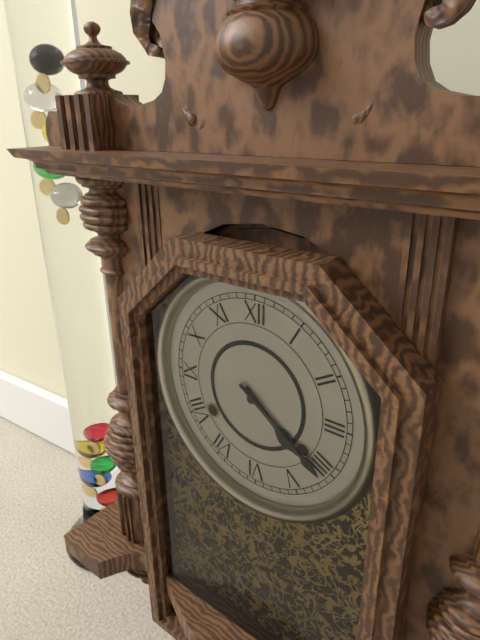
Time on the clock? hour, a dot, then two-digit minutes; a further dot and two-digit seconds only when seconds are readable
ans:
4.21
